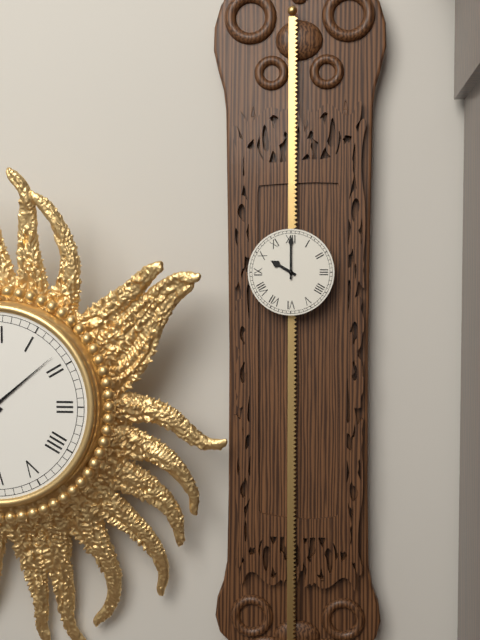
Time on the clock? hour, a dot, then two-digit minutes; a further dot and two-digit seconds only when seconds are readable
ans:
10.00
